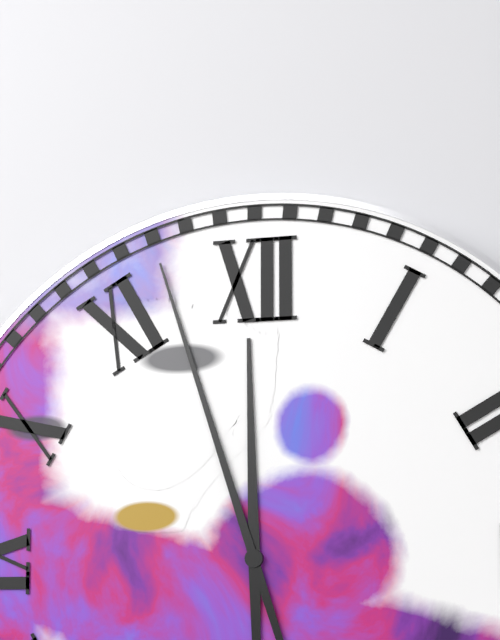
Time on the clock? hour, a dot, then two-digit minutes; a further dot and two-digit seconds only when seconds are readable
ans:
11.57
